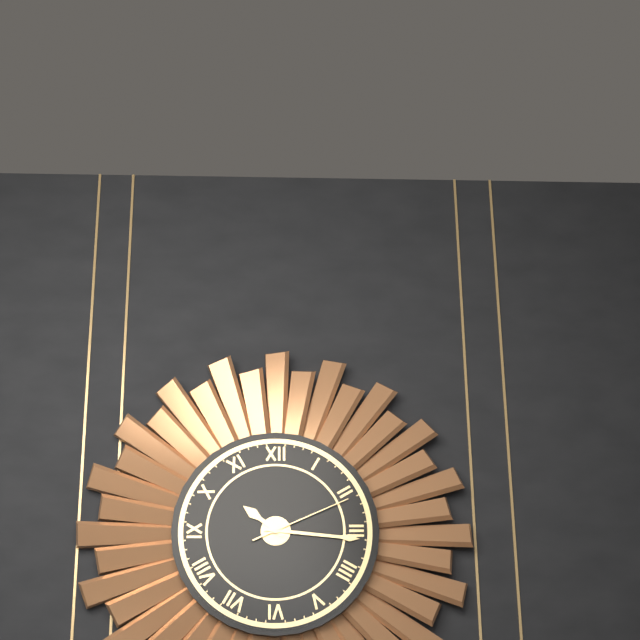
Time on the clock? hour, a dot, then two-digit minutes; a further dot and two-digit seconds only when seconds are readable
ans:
10.16.11
